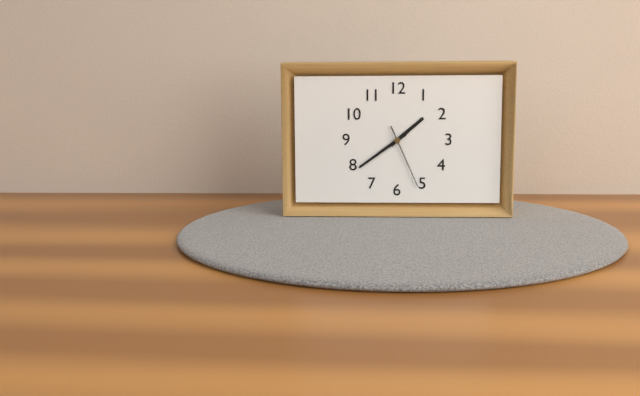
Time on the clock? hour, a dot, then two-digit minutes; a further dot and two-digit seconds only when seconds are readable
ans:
1.39.26
